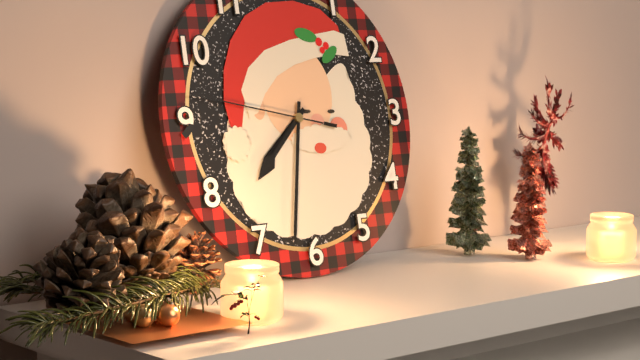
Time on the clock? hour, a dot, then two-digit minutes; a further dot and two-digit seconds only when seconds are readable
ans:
7.32.47
